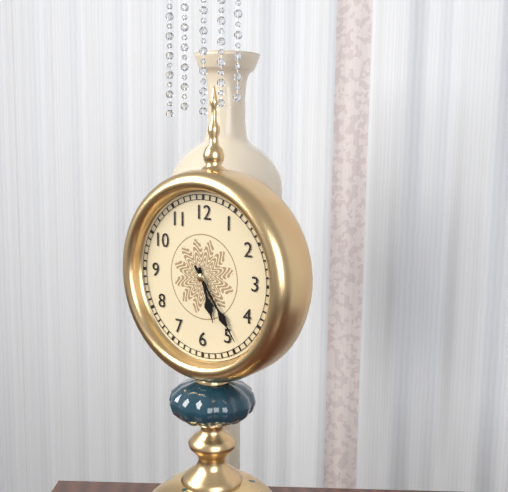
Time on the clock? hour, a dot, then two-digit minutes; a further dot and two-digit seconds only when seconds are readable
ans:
5.24
